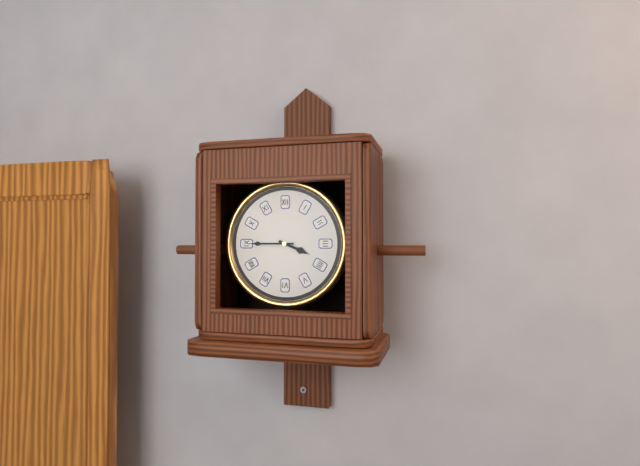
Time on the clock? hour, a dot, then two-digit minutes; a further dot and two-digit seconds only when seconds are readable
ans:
3.45
